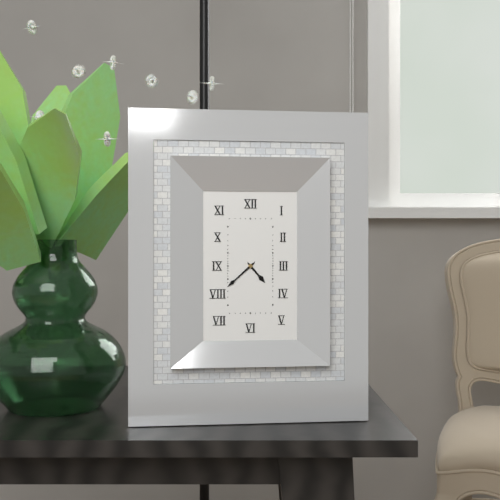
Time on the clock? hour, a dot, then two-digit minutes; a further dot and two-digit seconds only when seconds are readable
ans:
4.38
